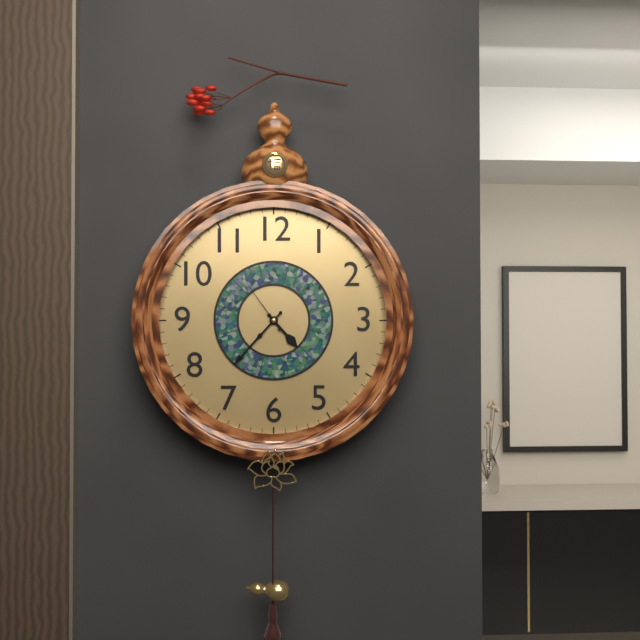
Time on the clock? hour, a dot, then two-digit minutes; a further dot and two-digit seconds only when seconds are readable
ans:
4.37.54
